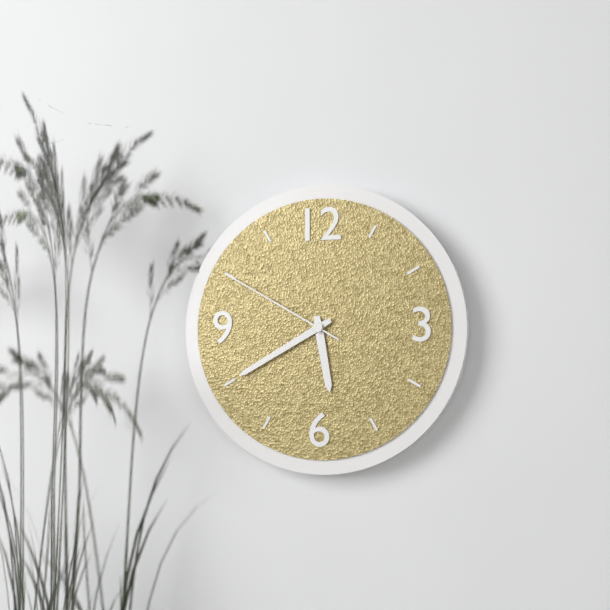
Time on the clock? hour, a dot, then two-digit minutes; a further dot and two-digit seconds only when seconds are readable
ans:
5.40.50
